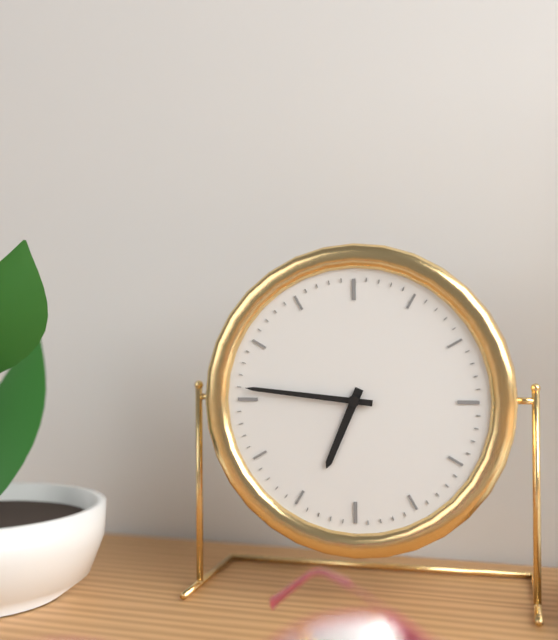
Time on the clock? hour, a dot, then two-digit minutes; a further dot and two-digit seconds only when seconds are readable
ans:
6.46
